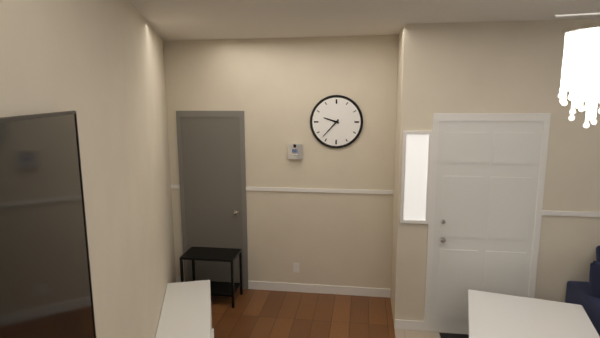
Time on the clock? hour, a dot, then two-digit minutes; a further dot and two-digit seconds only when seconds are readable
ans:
9.37
